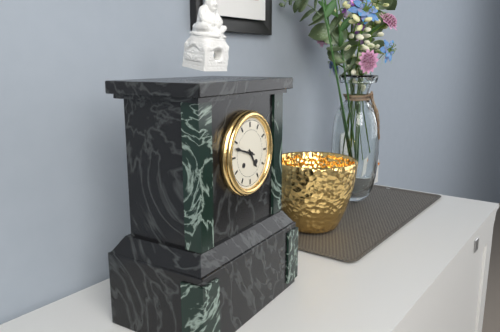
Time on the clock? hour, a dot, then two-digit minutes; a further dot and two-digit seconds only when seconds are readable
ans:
4.48
